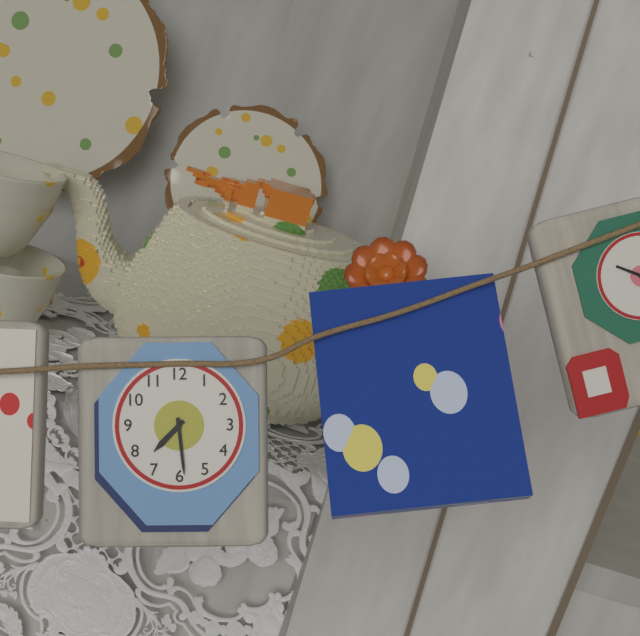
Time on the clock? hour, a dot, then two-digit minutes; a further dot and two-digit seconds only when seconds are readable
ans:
7.29
